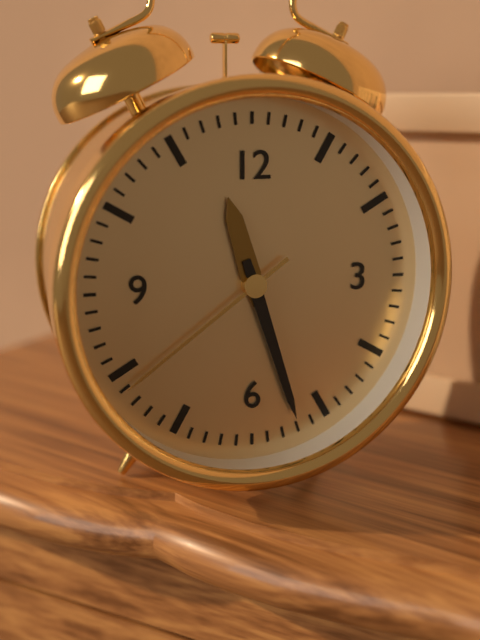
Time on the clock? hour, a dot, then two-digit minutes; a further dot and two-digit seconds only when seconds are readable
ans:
11.27.39
